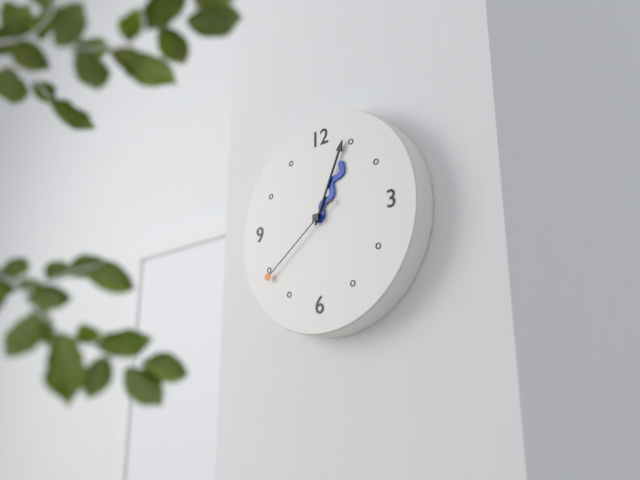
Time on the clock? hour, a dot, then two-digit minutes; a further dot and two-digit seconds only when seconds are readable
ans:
1.04.39
